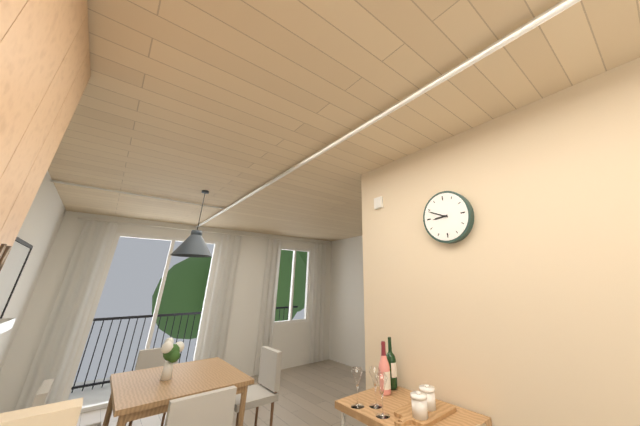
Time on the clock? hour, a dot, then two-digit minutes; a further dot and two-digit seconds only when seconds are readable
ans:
8.49
